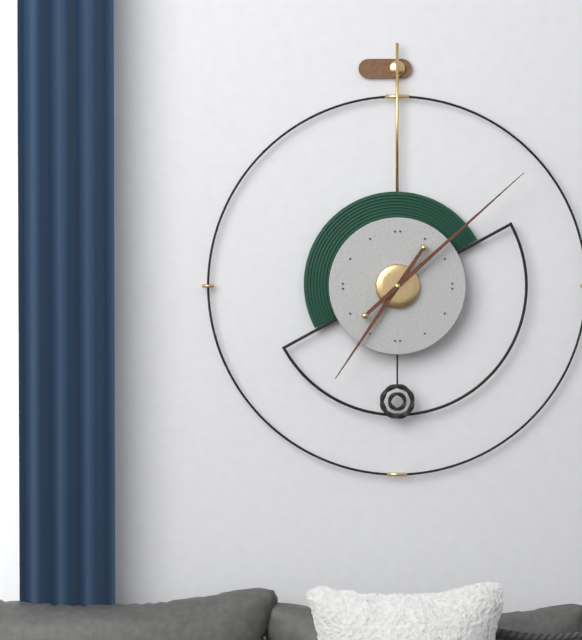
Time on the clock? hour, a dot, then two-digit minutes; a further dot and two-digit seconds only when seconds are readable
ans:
7.08
